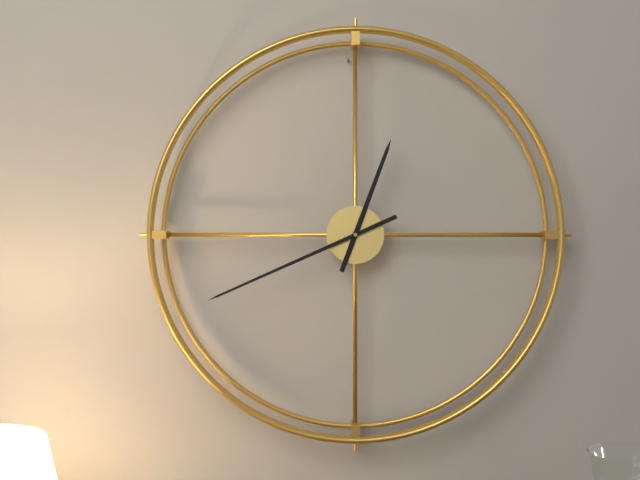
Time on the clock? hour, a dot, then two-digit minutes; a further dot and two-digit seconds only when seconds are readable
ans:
12.41
